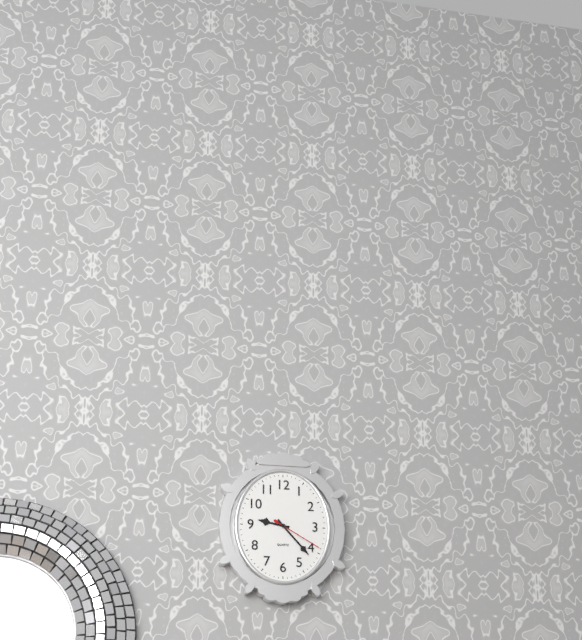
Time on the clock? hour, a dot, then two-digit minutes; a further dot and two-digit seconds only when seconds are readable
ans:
9.23.20
